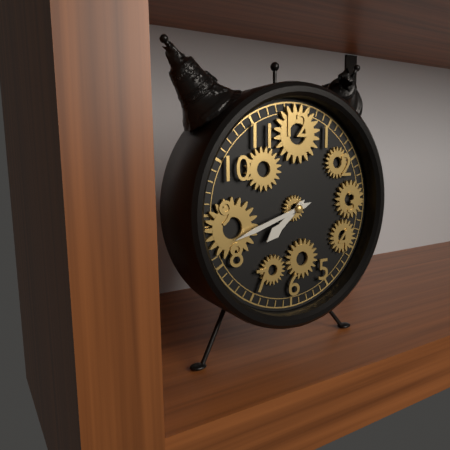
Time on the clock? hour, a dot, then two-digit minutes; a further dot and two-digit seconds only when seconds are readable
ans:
7.42
